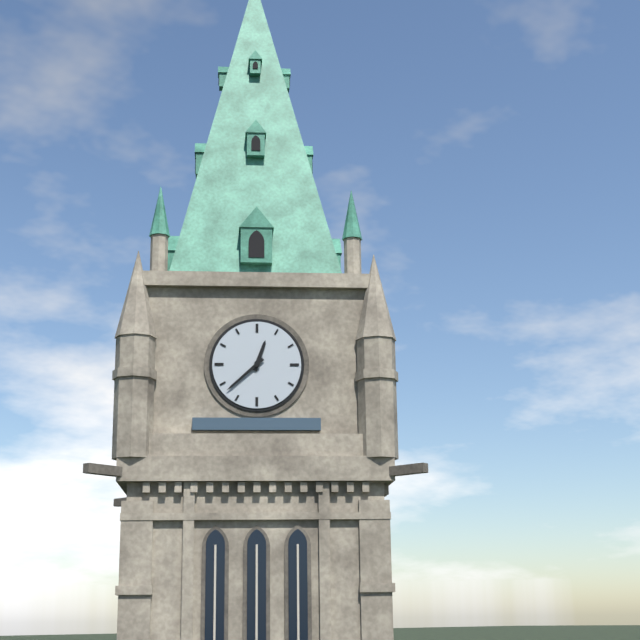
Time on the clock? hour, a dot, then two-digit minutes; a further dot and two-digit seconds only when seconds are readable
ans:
12.38
